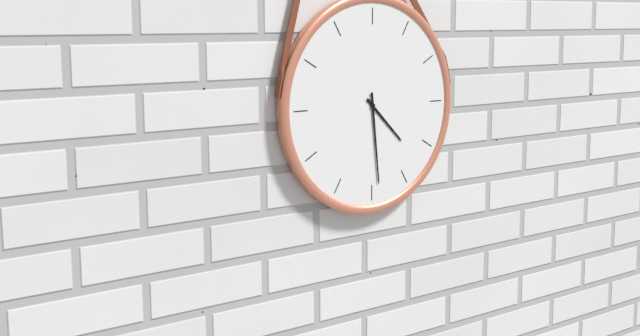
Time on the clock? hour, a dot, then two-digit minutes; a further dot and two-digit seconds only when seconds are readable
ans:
4.29
